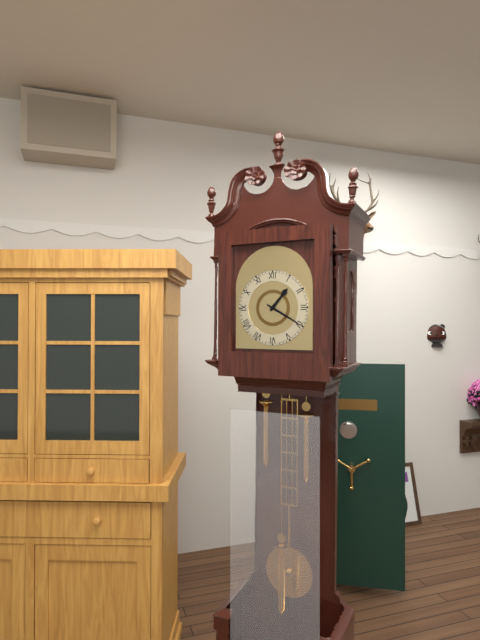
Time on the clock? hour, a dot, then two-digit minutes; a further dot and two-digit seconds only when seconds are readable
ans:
1.20
